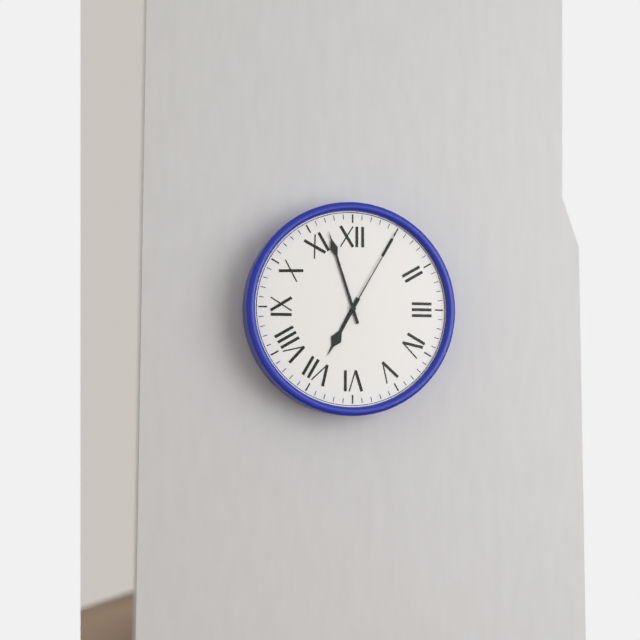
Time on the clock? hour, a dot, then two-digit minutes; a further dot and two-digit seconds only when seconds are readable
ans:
6.57.05
